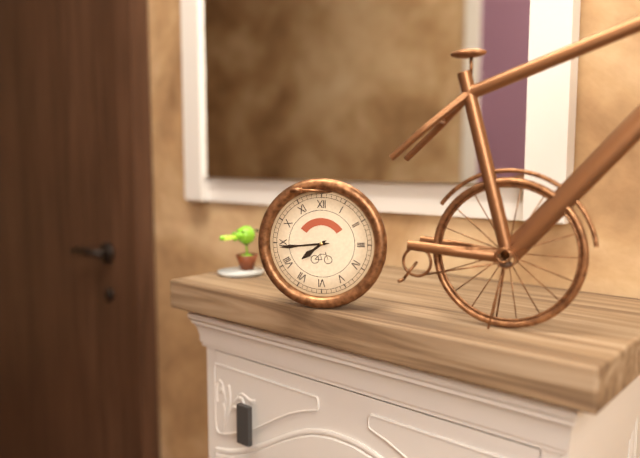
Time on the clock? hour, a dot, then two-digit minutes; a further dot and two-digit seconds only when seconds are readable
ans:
7.44
